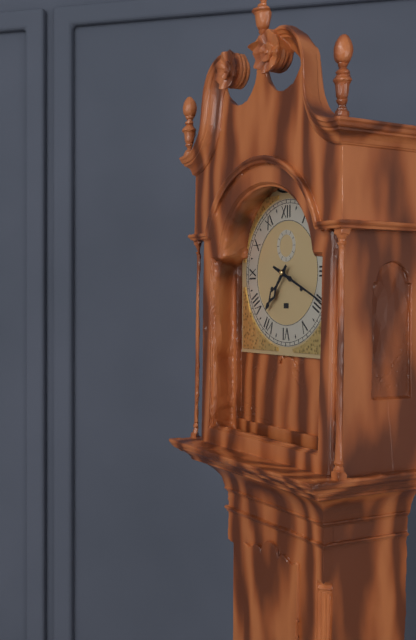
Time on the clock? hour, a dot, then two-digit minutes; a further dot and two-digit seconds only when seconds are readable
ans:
7.19
